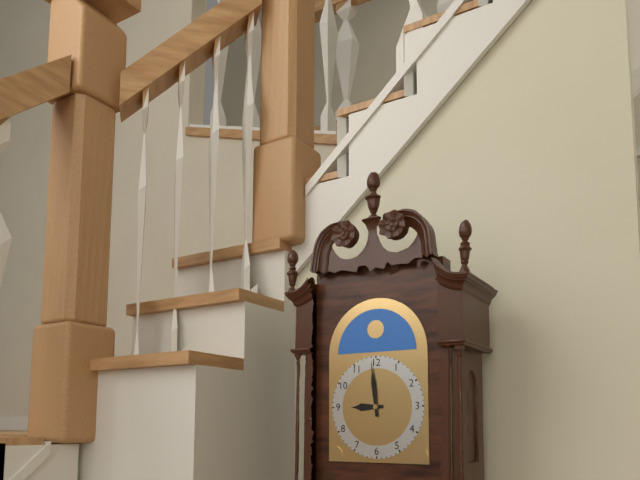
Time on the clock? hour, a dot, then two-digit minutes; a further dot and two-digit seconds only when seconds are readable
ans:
8.59
